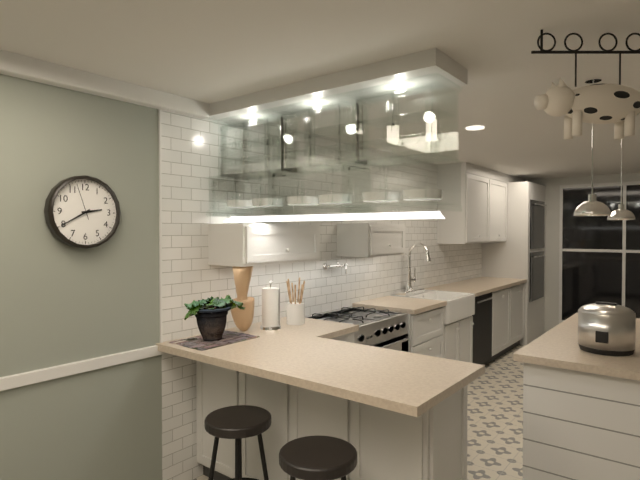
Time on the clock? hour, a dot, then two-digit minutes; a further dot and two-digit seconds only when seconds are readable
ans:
2.40
